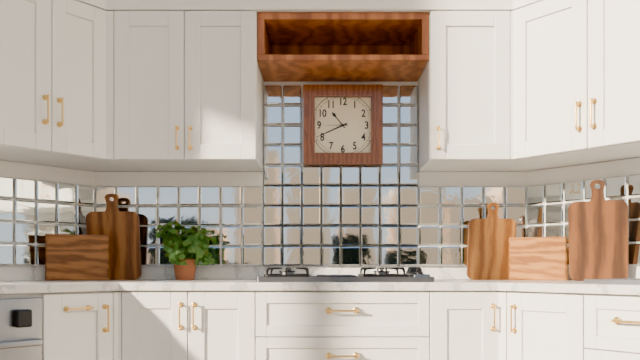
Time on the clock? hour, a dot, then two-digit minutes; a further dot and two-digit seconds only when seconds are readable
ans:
10.41
